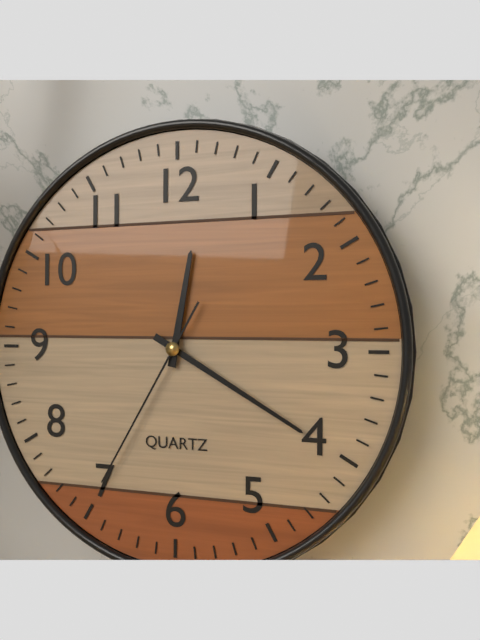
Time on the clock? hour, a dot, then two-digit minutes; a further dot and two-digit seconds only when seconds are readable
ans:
12.20.35
